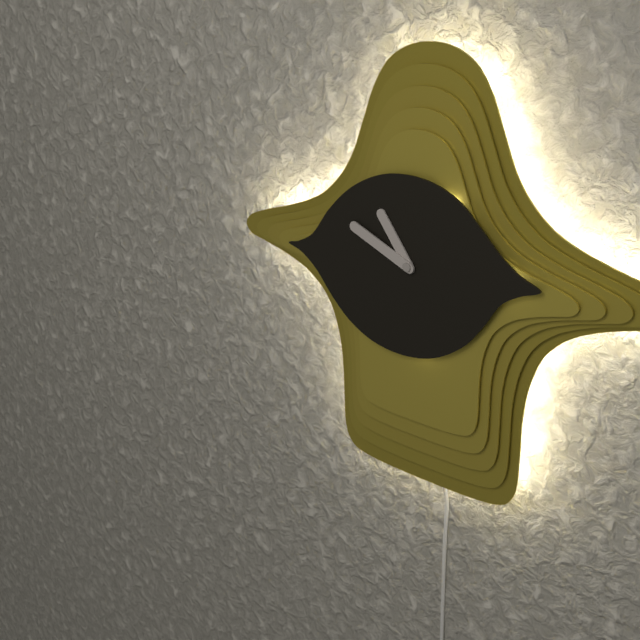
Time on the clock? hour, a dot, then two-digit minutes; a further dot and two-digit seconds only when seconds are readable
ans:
10.49
